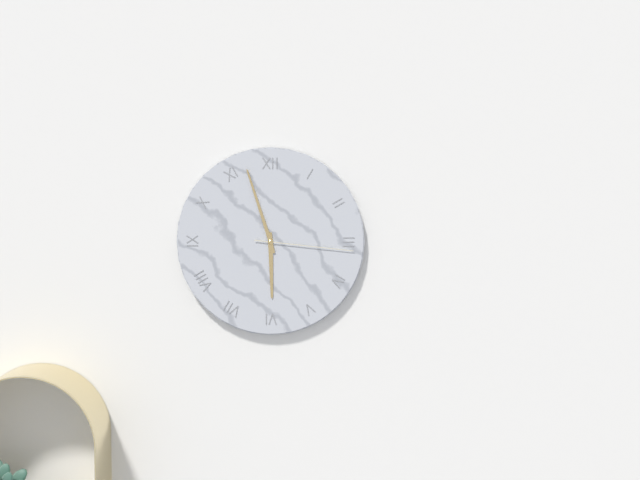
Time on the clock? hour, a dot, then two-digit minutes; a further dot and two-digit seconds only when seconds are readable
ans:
5.57.16
